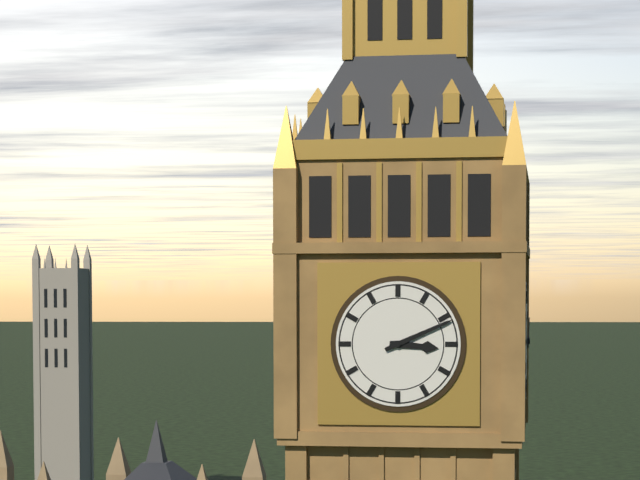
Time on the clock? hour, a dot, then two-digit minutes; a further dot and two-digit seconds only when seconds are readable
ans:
3.11
